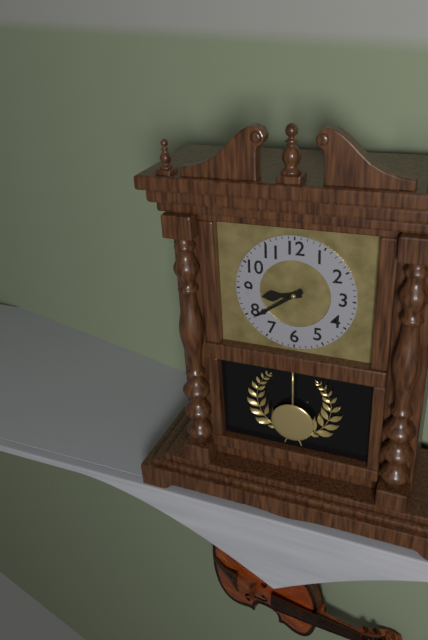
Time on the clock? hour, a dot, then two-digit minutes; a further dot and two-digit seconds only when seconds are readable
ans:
8.39
